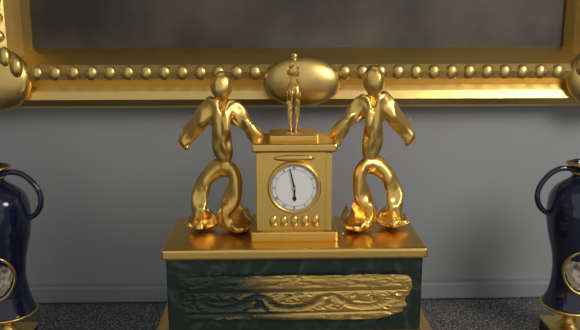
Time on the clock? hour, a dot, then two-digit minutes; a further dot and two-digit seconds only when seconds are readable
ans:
5.58
